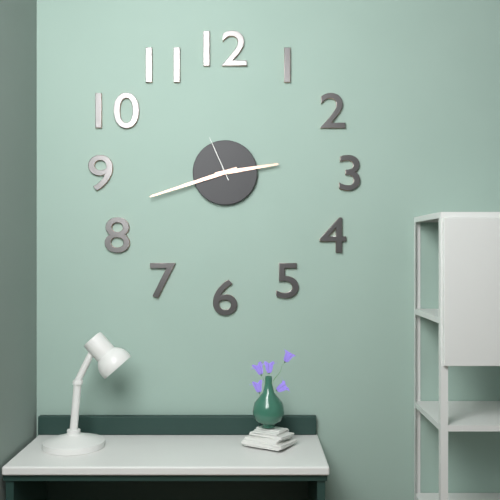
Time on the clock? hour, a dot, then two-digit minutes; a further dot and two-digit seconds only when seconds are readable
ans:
2.42
